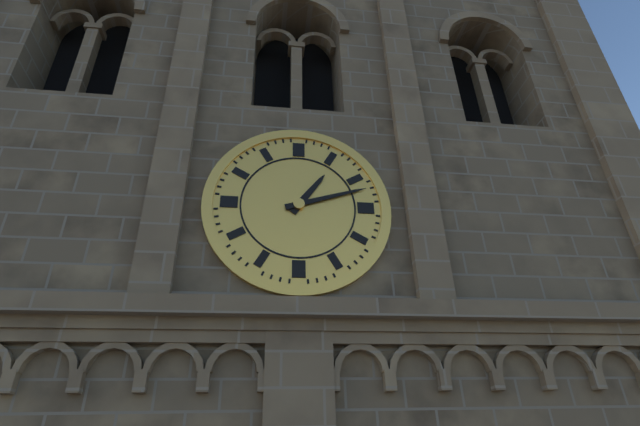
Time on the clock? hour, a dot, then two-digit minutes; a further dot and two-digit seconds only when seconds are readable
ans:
1.12
